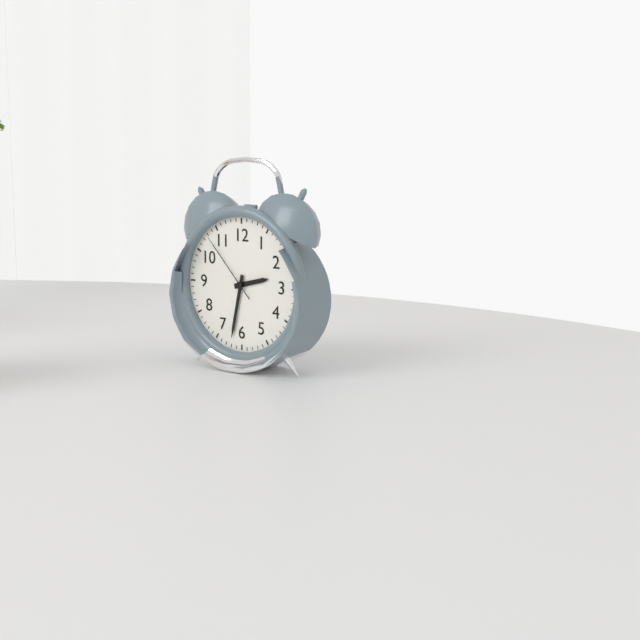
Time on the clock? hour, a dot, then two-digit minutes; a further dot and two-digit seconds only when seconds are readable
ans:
2.32.53
